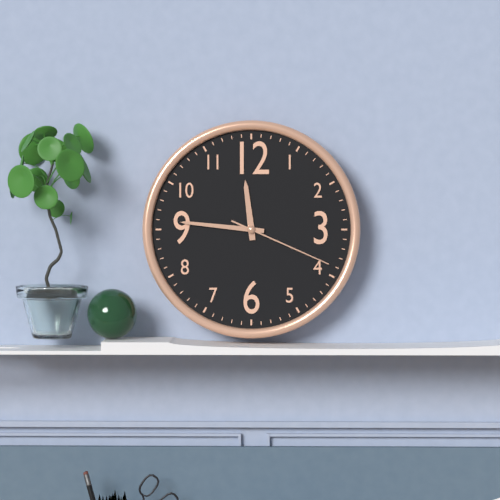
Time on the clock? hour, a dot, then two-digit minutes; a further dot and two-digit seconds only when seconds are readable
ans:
11.46.19
